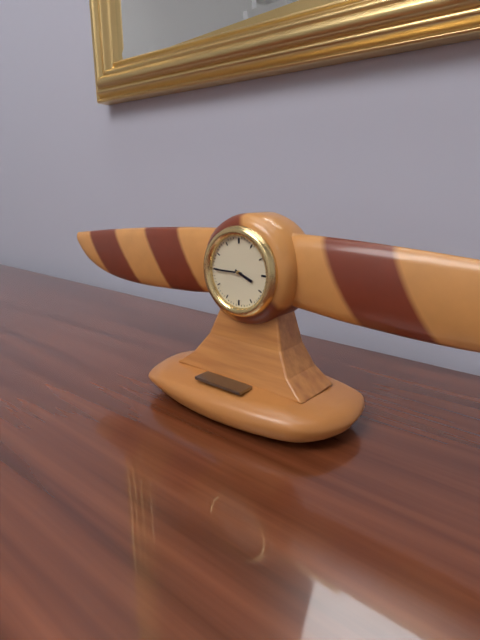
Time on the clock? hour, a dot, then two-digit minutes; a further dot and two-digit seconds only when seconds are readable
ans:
3.45
